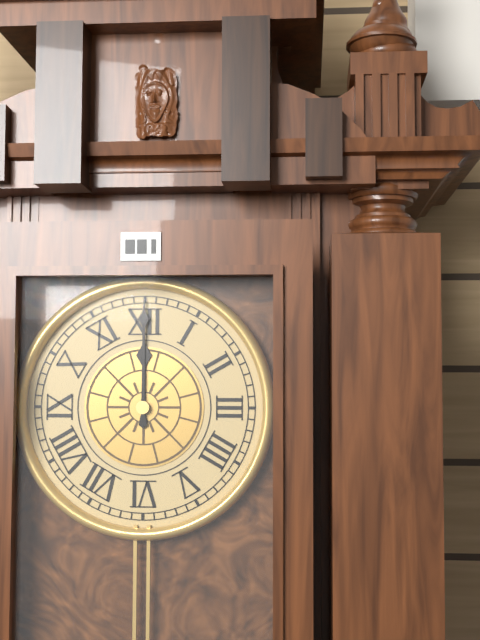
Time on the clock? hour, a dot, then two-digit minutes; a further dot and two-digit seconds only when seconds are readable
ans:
12.00
